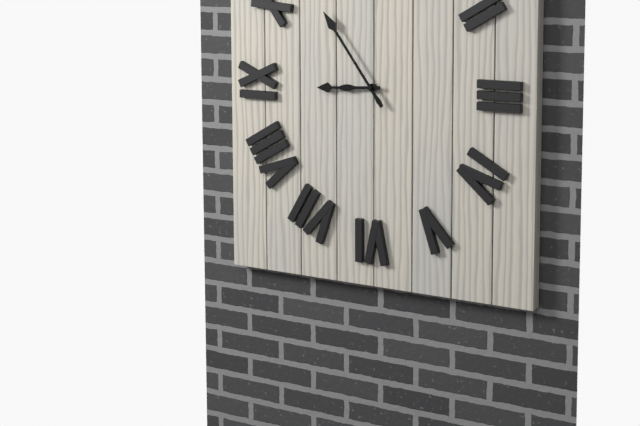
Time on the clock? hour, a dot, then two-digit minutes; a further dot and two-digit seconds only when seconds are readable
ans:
8.54
